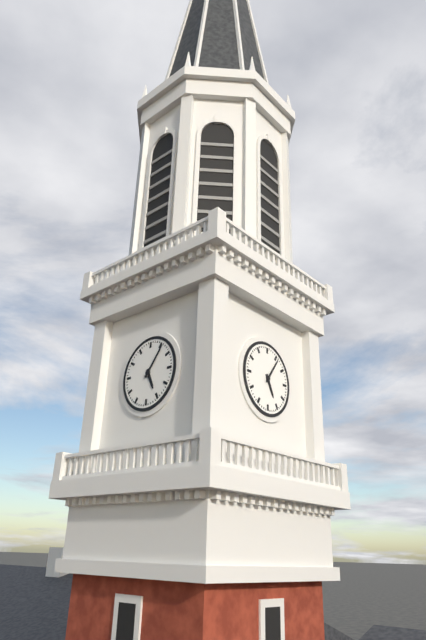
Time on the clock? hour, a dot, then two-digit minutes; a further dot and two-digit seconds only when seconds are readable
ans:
5.06
